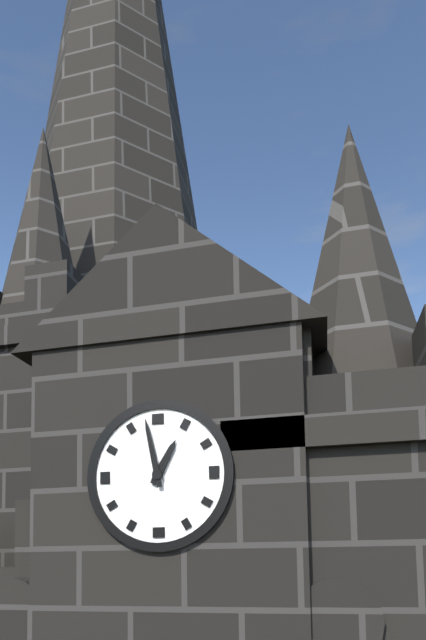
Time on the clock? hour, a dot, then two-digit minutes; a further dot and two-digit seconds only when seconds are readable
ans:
12.58
